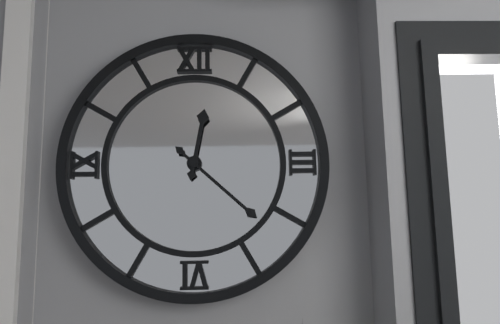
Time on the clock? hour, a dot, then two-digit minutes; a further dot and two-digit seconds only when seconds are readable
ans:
12.22
